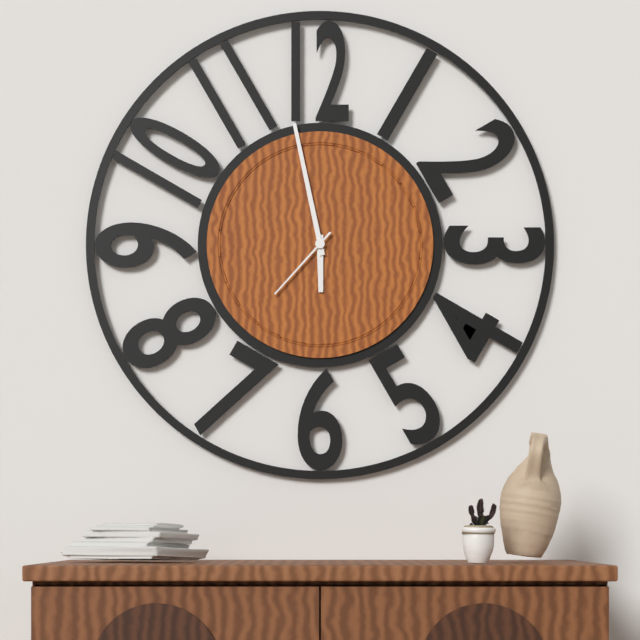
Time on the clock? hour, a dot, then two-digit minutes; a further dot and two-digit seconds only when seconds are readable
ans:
5.58.37
